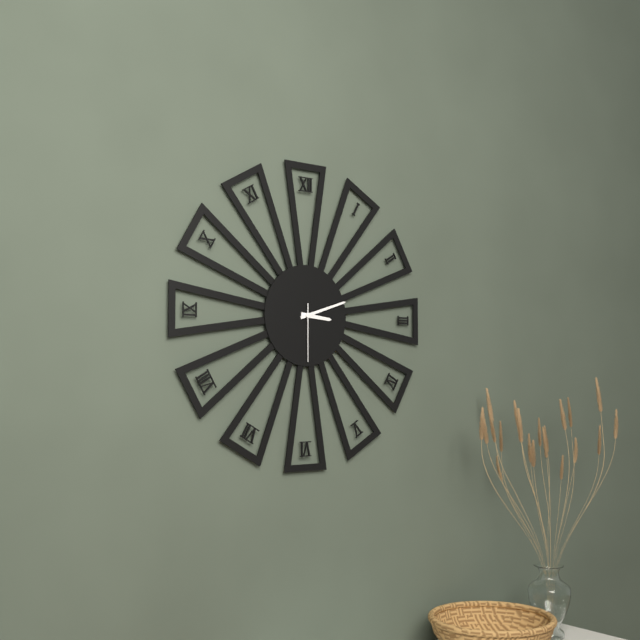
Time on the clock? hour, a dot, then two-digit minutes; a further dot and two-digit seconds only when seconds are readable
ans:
3.12.30
